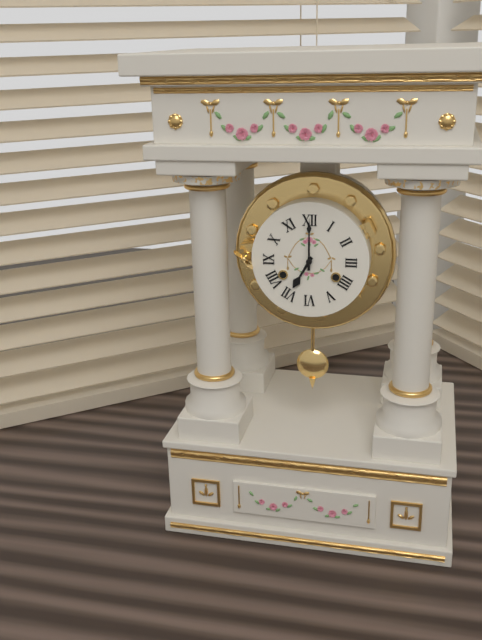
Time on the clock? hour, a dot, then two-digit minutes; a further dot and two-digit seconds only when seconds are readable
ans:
7.00
